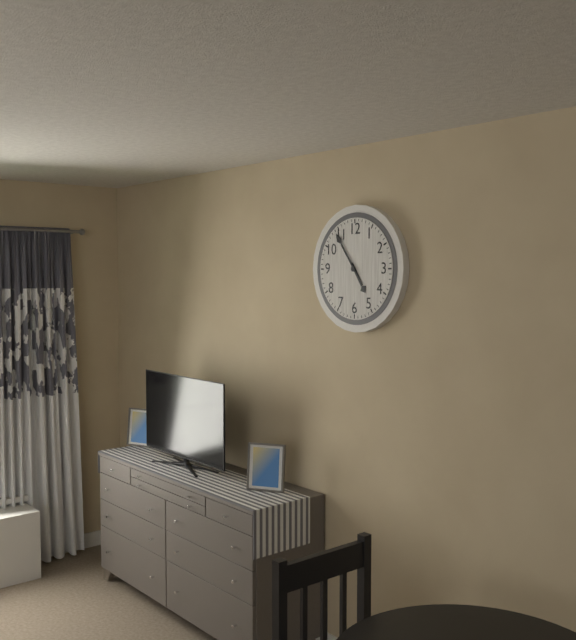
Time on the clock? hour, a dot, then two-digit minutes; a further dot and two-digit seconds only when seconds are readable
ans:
4.54
